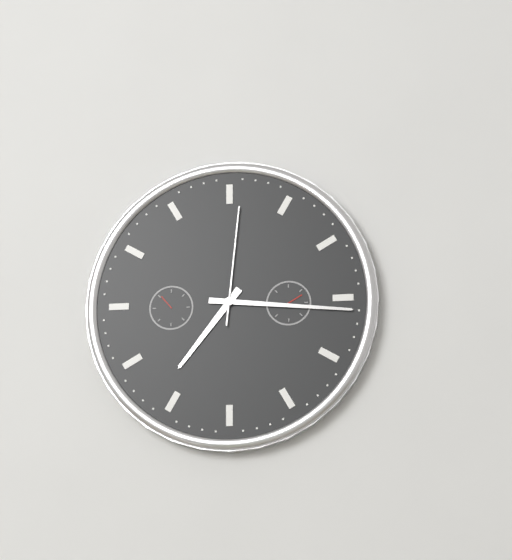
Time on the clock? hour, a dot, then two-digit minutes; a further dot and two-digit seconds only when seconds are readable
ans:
7.16.01
